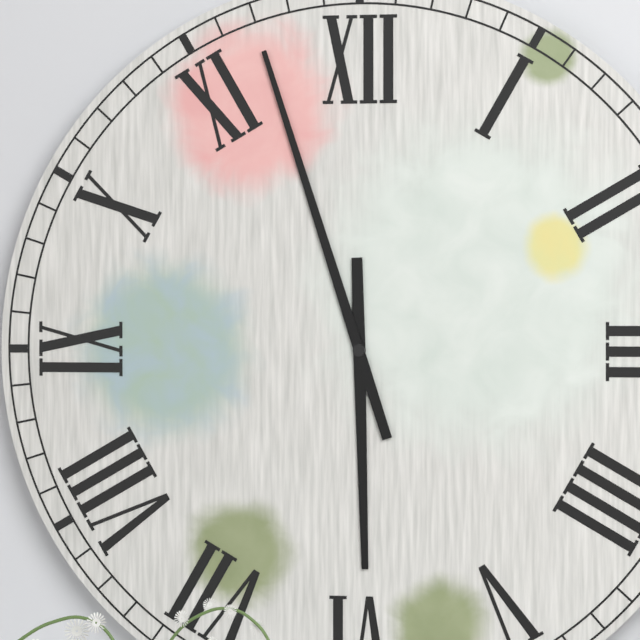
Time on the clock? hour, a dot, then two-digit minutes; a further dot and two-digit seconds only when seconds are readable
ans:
5.57
